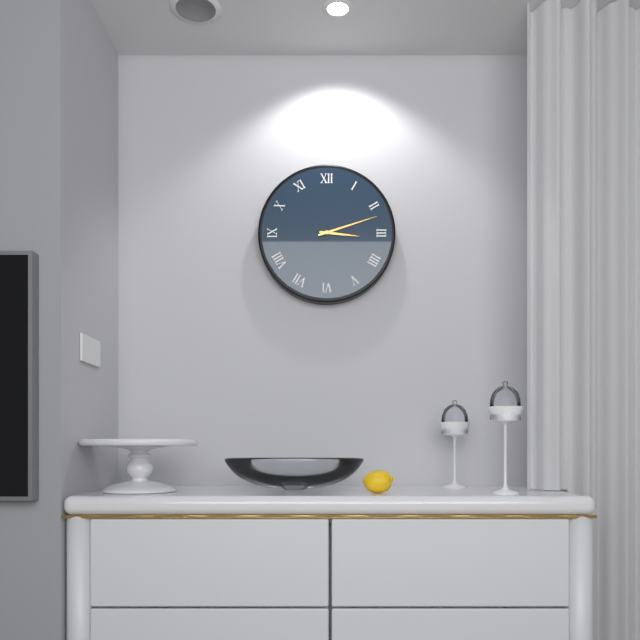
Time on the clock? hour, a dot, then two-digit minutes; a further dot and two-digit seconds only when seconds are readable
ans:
3.12
